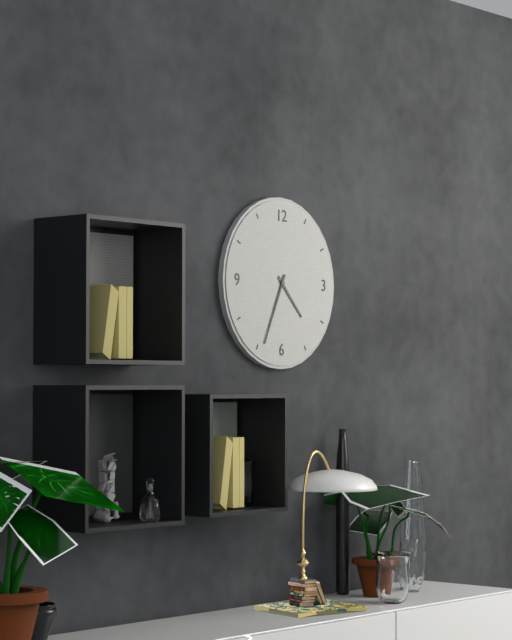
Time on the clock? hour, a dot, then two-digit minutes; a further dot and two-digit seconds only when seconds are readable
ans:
4.34
